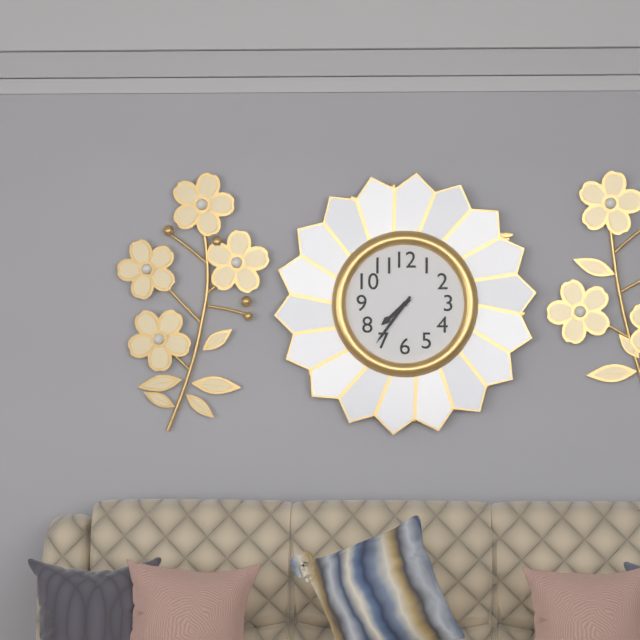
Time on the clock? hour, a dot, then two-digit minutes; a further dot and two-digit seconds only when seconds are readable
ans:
7.36
